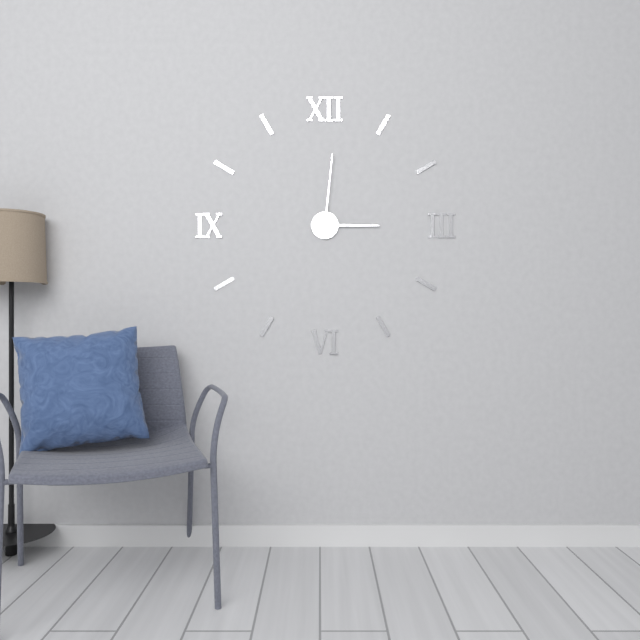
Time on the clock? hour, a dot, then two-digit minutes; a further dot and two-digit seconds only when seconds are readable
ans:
3.01
